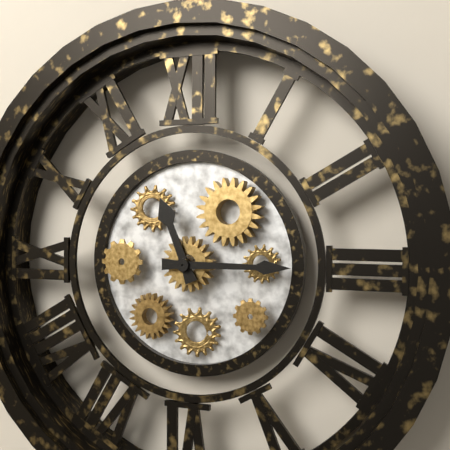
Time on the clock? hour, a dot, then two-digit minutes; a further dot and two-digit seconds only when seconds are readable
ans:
11.15
